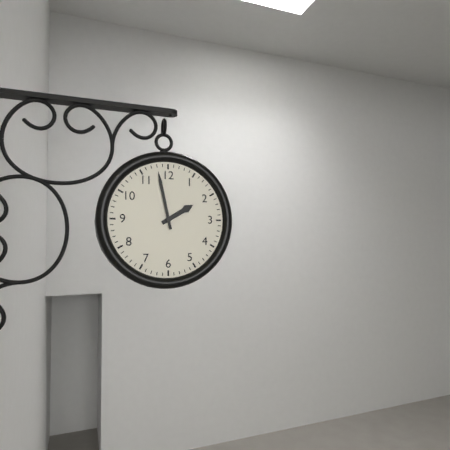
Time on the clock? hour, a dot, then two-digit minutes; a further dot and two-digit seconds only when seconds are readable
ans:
1.58
